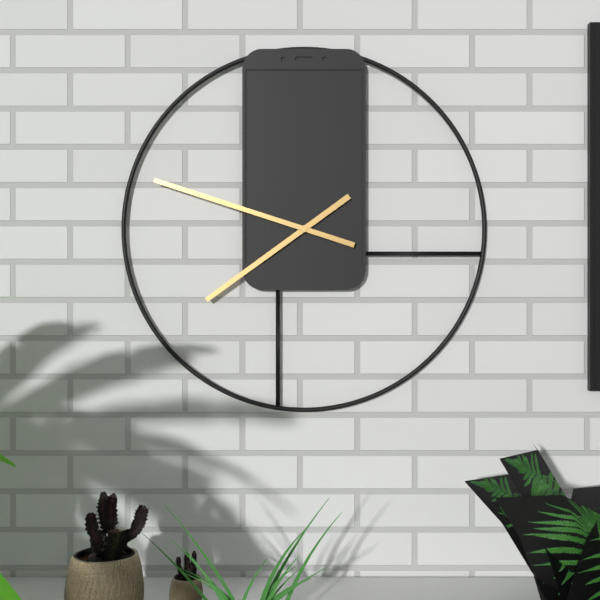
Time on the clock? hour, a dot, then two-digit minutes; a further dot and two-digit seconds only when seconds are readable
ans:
7.48
